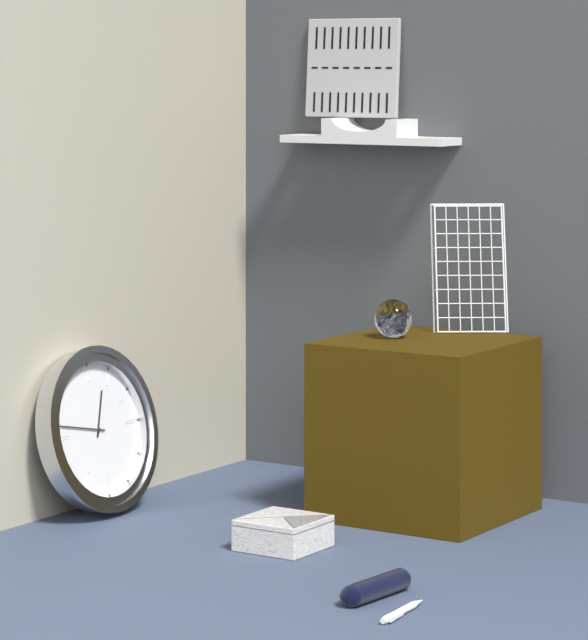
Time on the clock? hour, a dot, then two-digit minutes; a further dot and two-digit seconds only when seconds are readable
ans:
12.47
